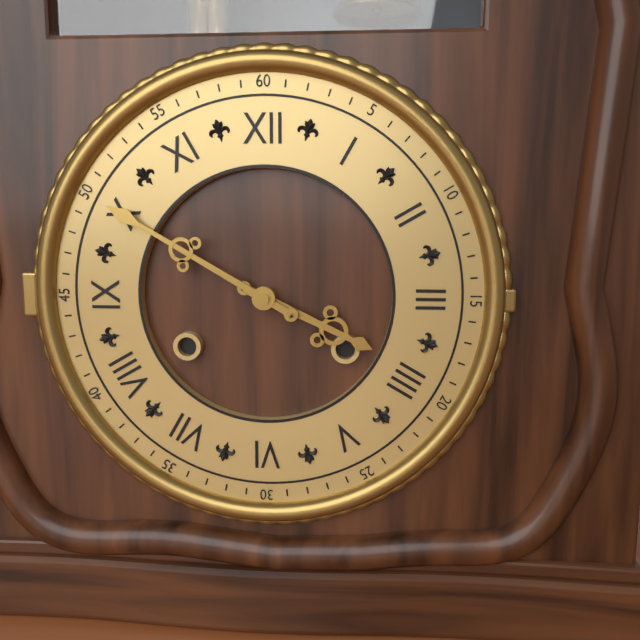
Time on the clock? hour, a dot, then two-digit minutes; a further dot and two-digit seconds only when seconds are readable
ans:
3.50
